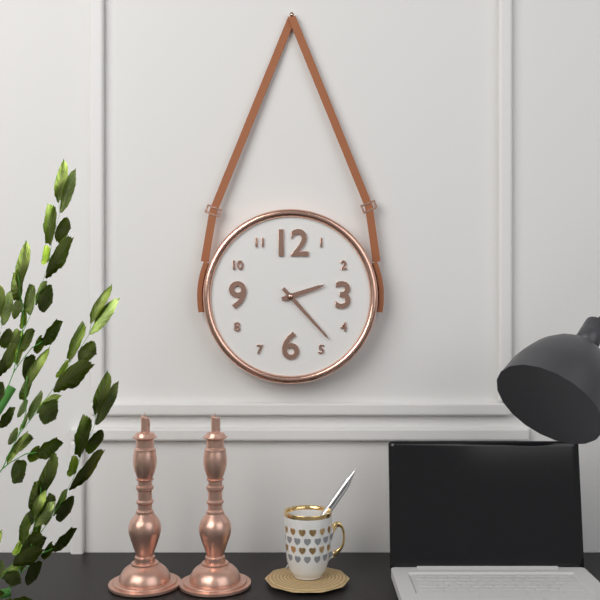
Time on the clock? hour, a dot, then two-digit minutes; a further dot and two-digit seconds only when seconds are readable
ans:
2.23
